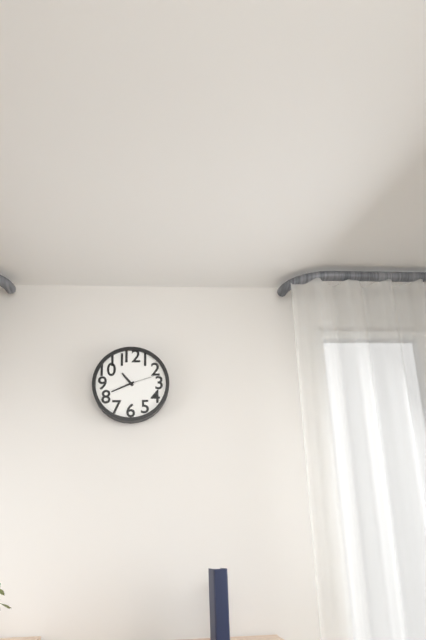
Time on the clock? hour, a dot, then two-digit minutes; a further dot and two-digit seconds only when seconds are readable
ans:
10.41
